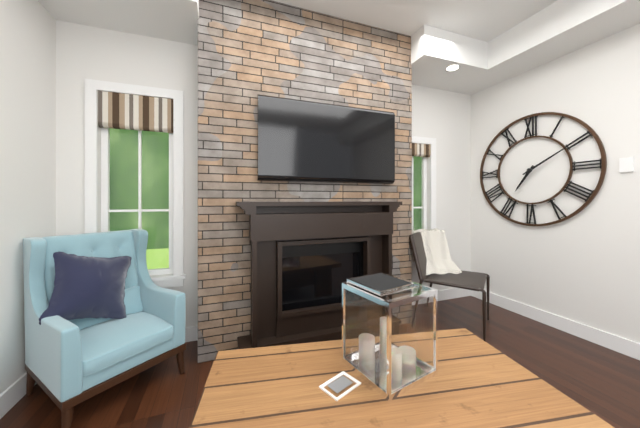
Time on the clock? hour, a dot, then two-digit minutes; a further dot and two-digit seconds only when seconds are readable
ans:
7.10
